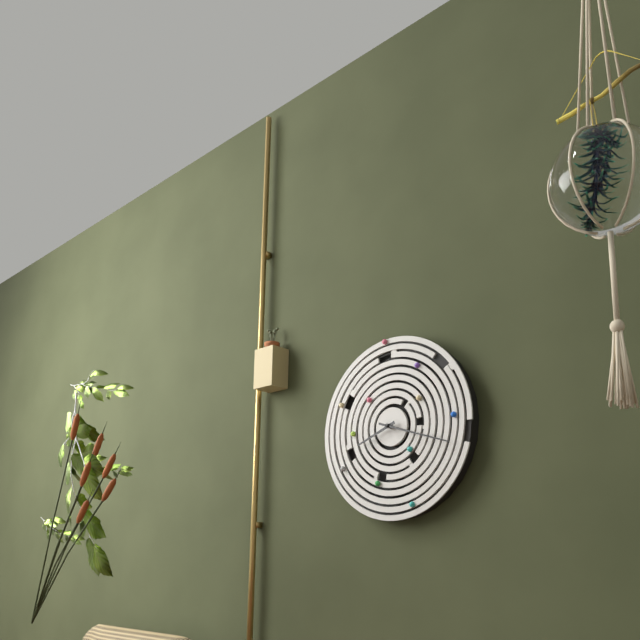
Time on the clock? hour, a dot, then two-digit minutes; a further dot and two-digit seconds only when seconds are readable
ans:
8.18
